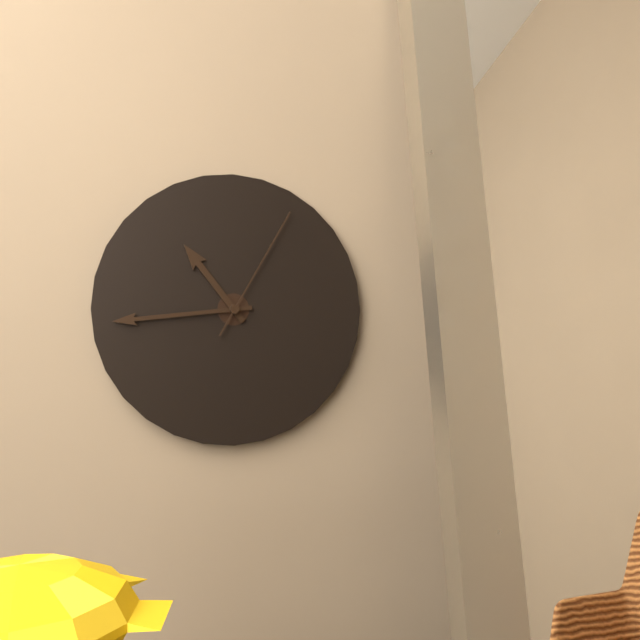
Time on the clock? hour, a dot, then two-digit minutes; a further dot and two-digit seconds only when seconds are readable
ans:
10.44.05
